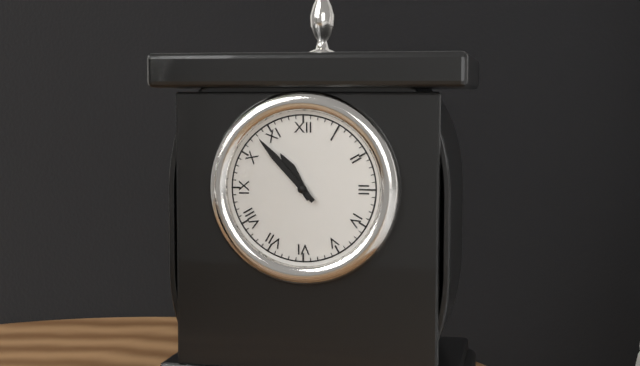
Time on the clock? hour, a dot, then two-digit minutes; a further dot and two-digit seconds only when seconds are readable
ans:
10.53
